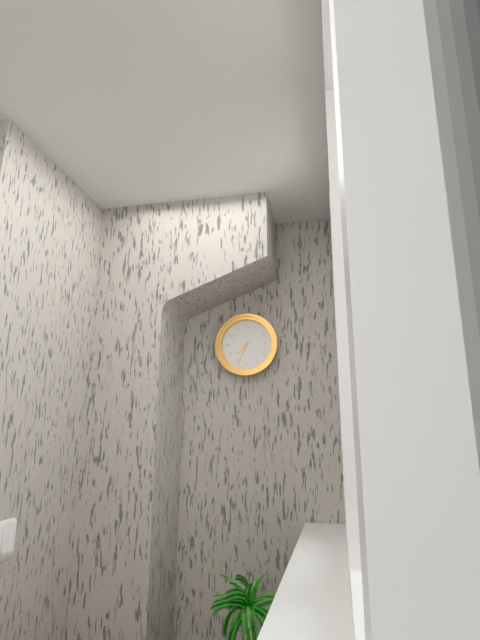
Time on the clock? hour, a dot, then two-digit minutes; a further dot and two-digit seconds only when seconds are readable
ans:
7.34
